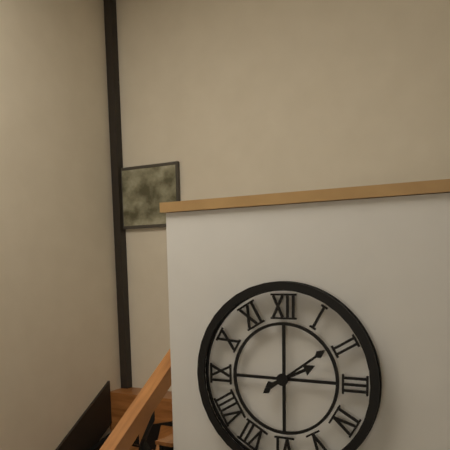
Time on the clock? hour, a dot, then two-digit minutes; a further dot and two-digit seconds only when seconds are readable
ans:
2.09
